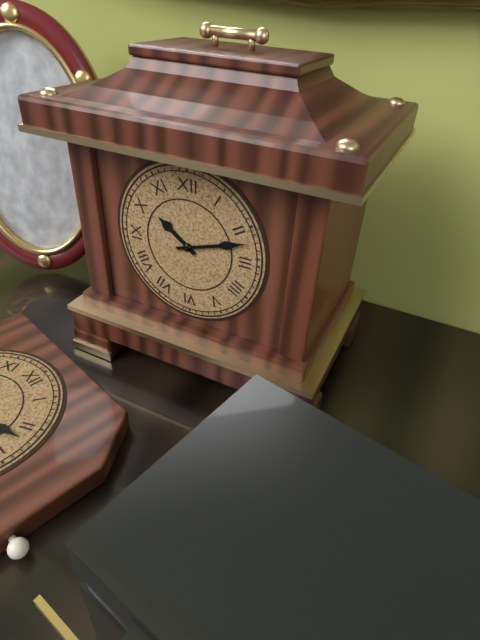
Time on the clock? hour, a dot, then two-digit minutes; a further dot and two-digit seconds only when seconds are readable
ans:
10.12
